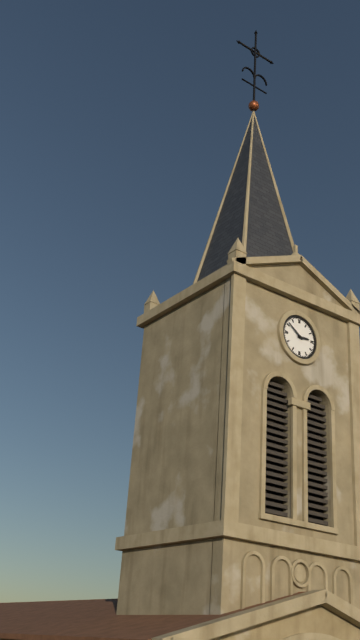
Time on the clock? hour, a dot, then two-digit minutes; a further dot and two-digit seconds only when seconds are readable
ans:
2.51
